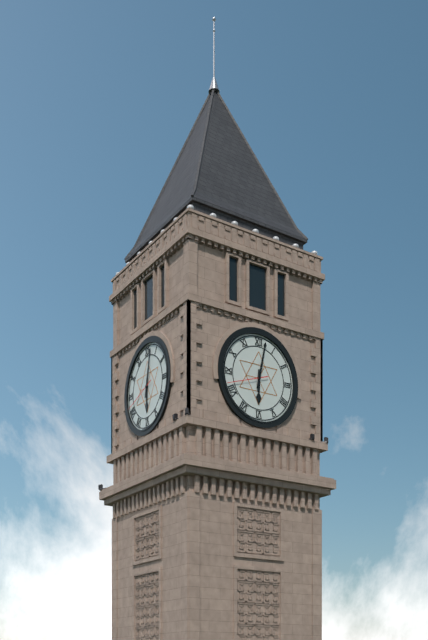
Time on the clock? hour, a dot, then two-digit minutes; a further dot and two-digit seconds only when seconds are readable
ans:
6.02
